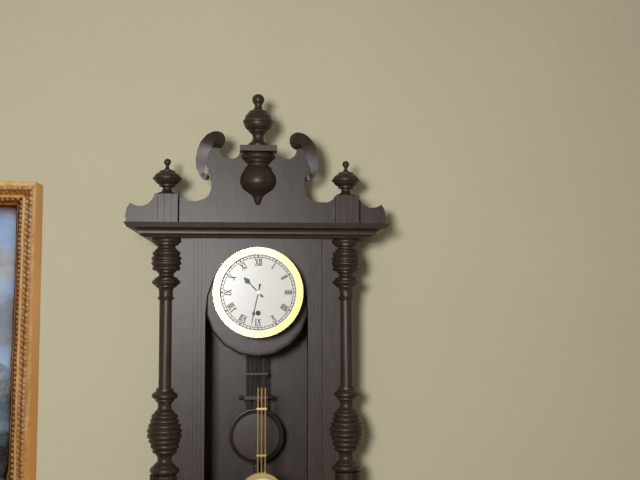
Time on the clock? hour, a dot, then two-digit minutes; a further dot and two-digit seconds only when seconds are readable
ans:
10.32
